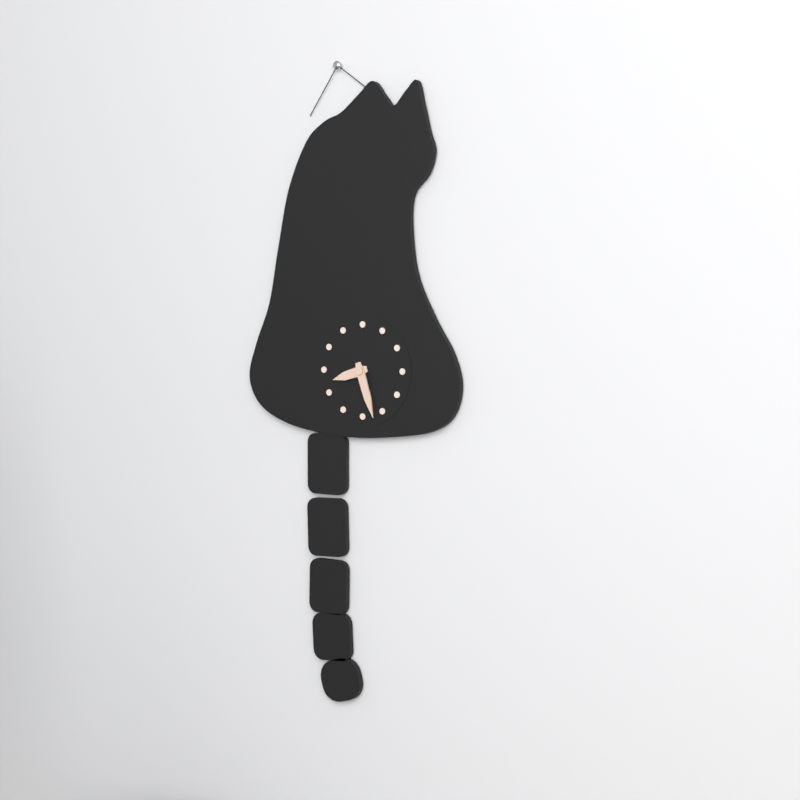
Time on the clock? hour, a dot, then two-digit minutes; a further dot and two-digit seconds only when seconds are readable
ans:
8.27
